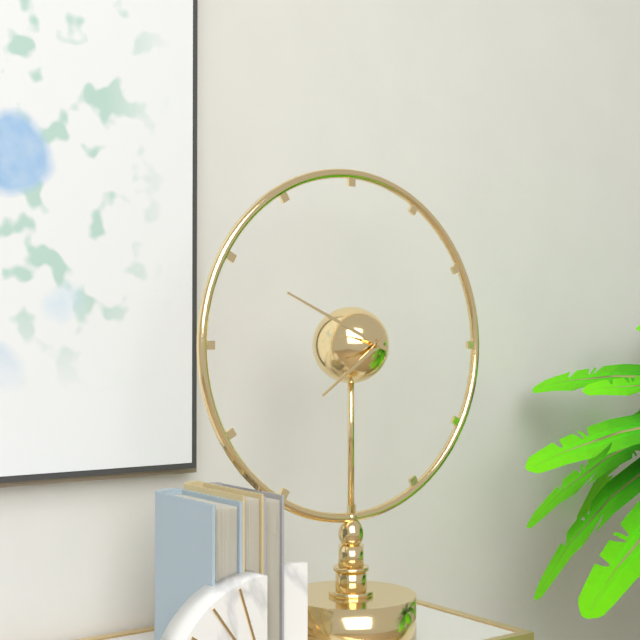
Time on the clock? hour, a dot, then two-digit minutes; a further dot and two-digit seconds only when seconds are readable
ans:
7.49
